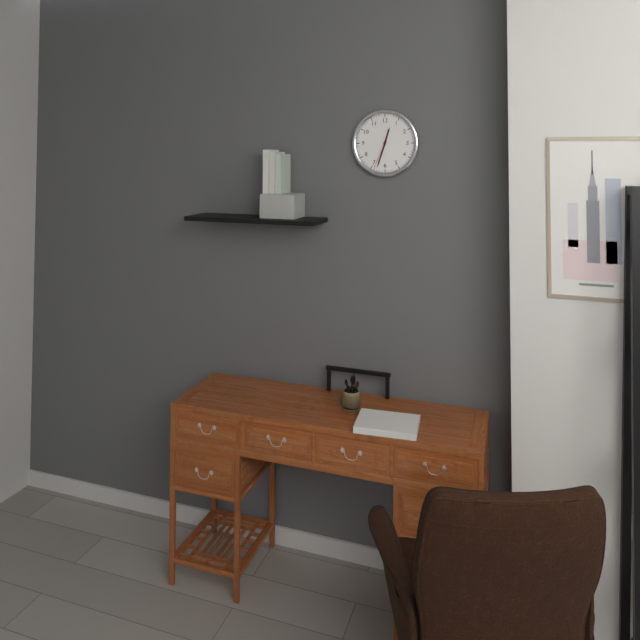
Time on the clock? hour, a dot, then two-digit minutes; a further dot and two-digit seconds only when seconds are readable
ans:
12.33
